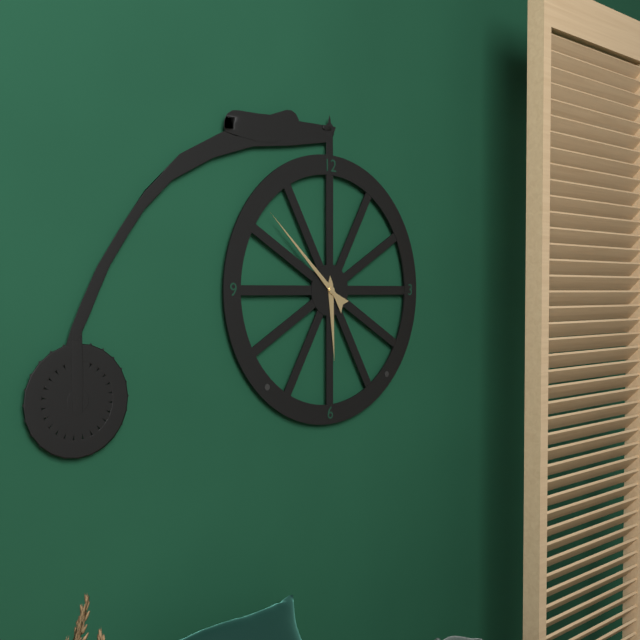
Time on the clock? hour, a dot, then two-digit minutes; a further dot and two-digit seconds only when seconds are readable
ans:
5.52
